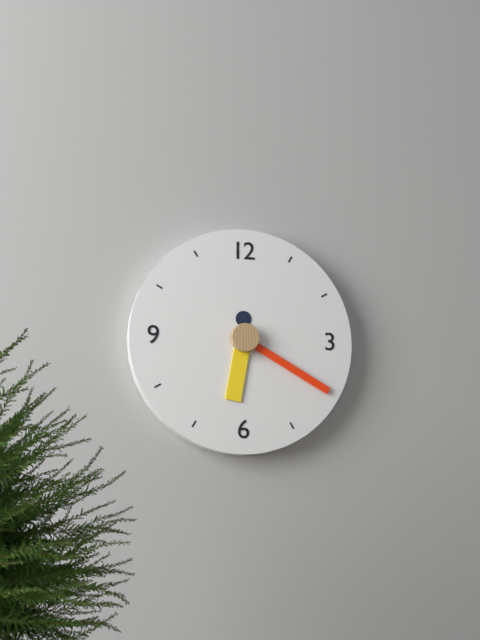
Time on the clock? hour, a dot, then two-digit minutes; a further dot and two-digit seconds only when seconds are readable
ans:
6.20
